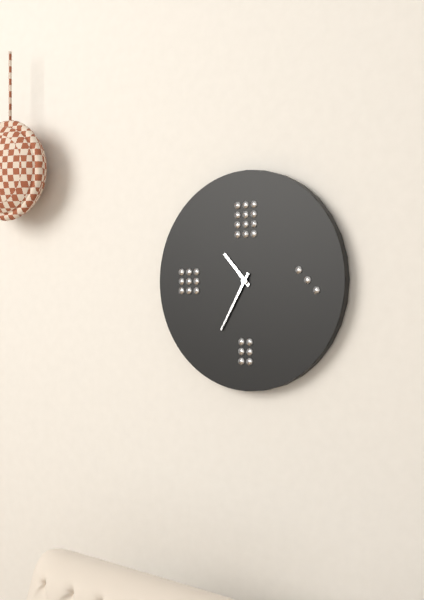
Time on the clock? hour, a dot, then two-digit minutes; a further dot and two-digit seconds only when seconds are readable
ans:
10.35
